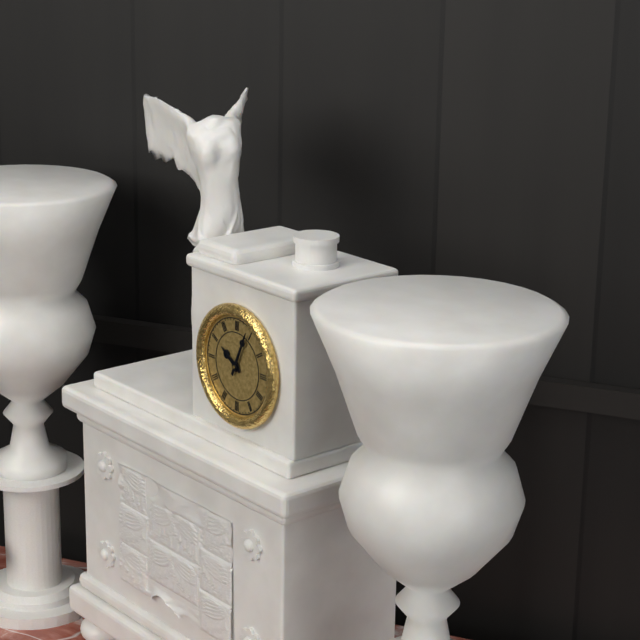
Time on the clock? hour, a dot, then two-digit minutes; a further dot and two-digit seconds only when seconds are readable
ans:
10.04
